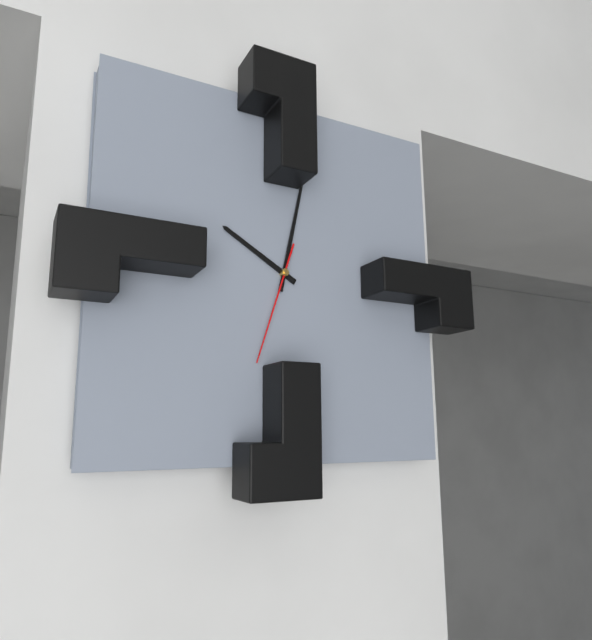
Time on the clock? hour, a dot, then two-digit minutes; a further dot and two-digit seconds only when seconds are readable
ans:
10.02.33
